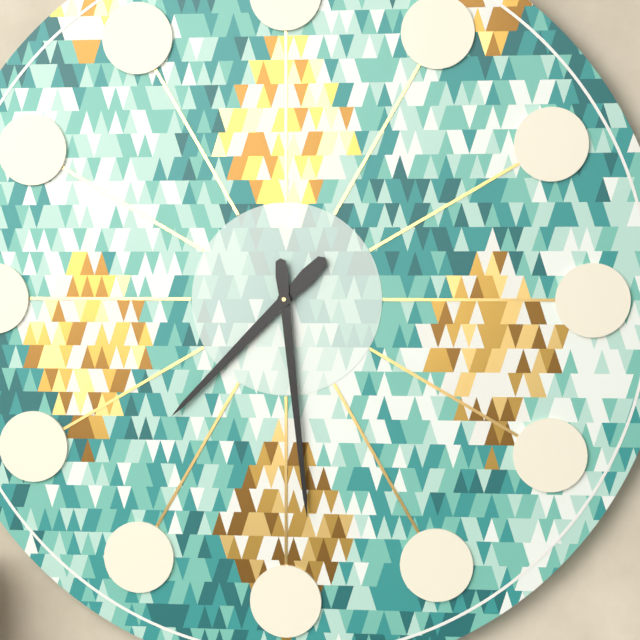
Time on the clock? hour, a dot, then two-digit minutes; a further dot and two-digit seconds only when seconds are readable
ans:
7.29
